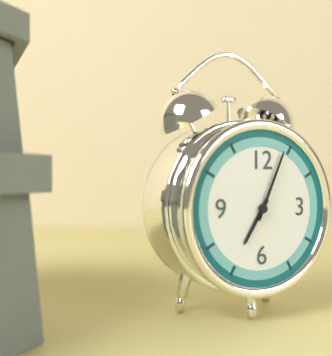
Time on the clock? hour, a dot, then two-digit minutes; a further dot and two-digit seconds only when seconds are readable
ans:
7.04
